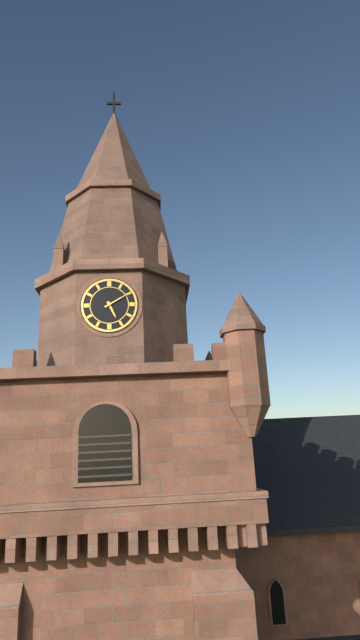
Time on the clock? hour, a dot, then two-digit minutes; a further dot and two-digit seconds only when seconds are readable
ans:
5.10
